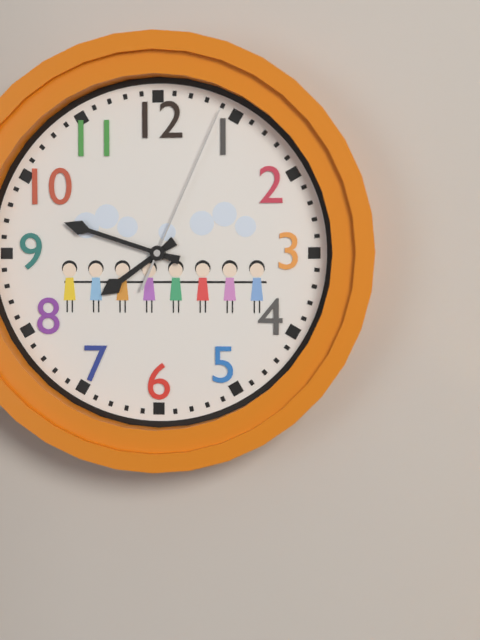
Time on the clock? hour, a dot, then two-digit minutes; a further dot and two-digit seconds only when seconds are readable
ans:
7.48.04
